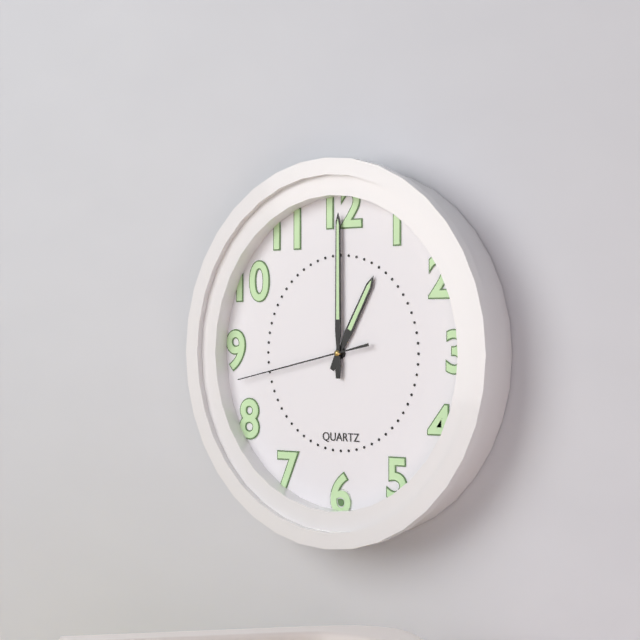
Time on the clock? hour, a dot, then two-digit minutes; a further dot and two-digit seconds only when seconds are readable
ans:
1.00.43
